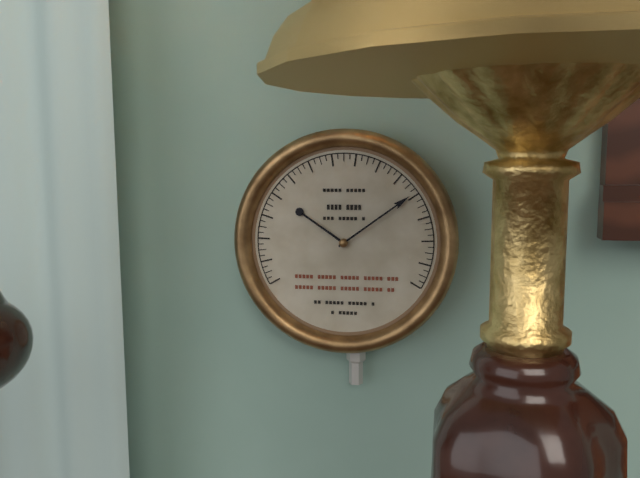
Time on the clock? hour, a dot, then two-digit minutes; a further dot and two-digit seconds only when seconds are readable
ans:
10.09
